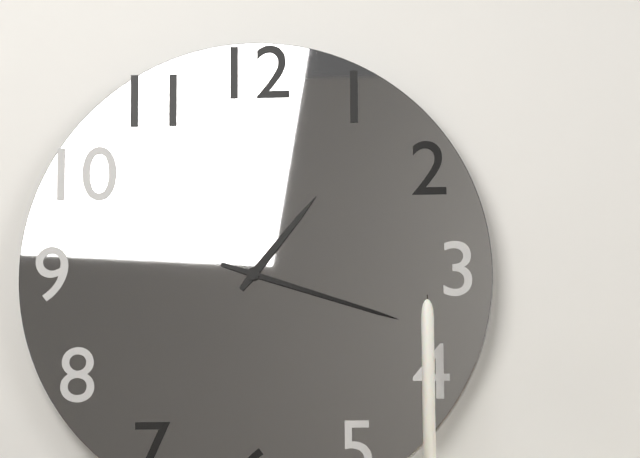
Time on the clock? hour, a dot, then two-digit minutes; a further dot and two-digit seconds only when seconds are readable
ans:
1.18
